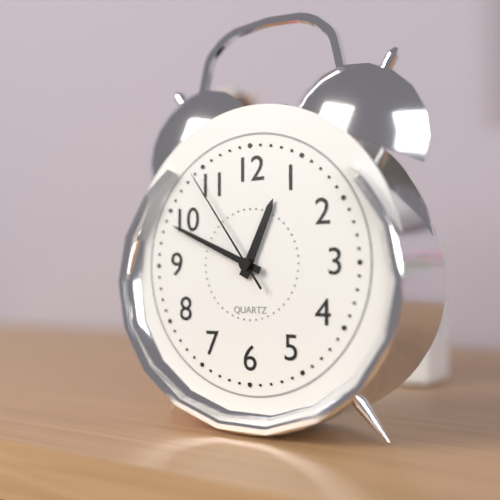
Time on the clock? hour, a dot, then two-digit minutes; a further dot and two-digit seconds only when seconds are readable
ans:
12.49.54
